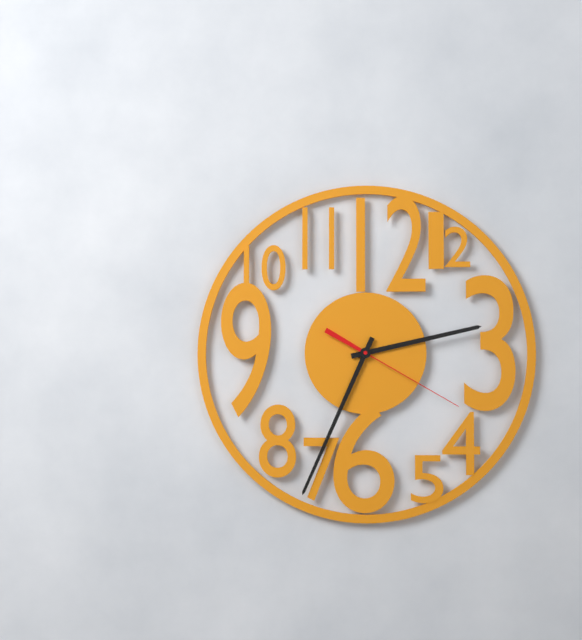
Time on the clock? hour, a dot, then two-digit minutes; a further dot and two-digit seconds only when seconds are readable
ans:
2.34.20
